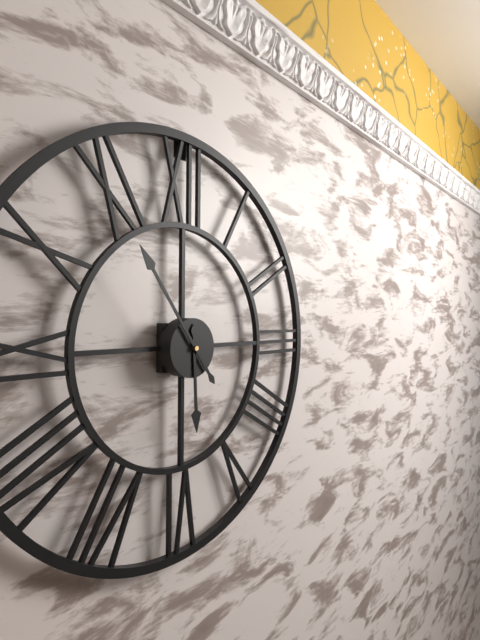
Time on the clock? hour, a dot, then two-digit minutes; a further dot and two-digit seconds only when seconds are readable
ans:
5.54
